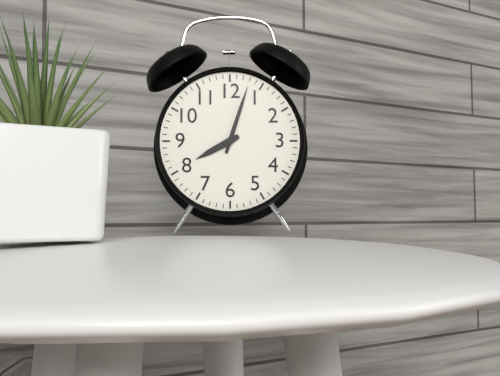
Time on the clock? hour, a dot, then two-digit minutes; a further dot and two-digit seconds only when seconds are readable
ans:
8.03
